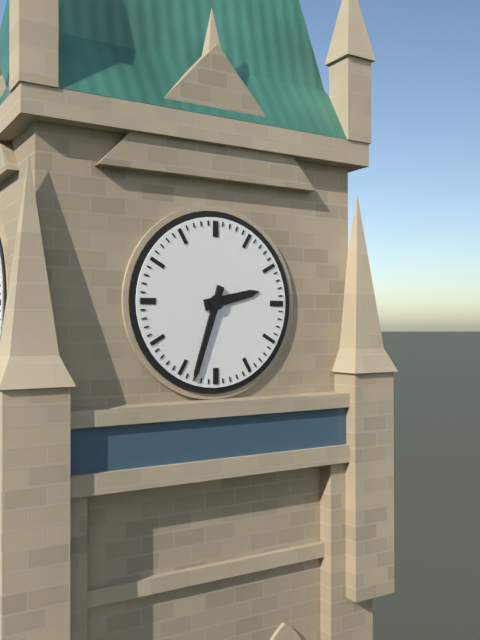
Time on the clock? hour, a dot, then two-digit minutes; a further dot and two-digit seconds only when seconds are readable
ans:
2.33
